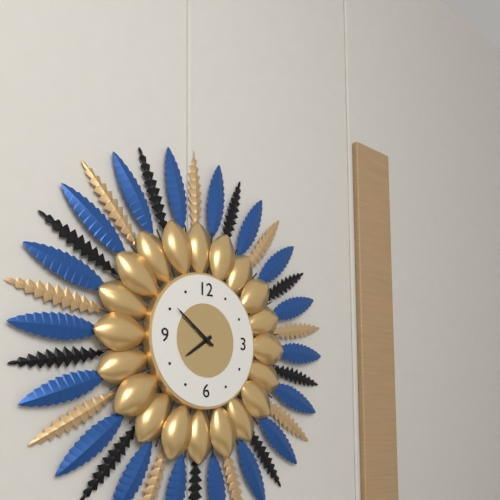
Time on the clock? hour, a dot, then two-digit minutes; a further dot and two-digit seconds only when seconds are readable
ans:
7.51
